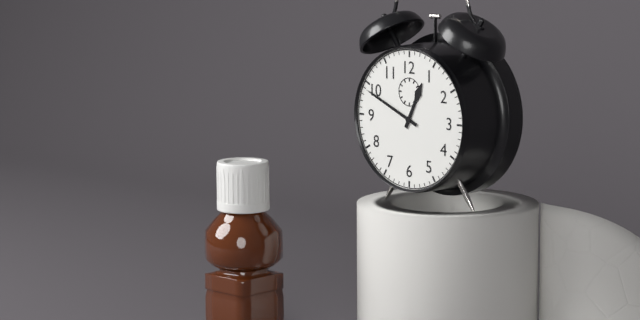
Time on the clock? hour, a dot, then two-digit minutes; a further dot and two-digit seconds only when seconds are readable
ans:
12.49
